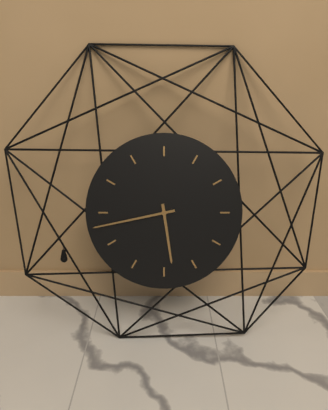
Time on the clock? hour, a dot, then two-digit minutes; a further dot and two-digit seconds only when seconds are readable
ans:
5.43
